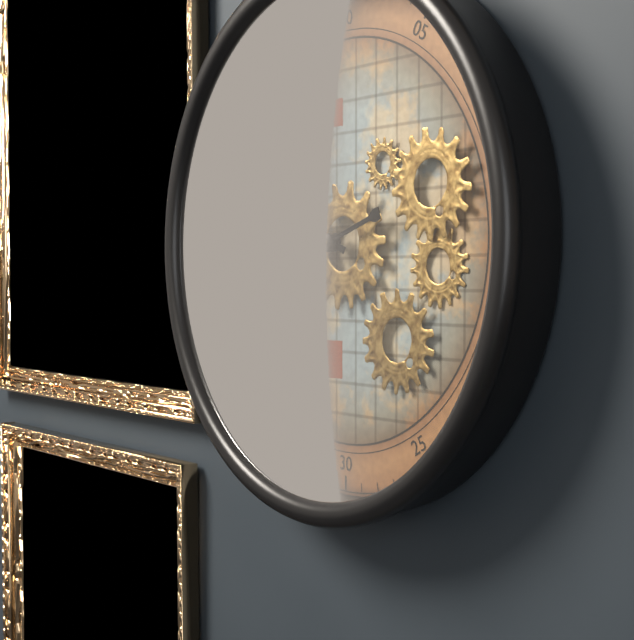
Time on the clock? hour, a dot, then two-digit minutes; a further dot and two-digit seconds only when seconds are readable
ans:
9.42
